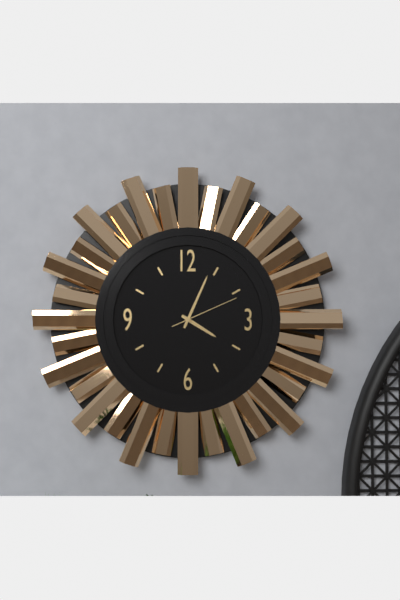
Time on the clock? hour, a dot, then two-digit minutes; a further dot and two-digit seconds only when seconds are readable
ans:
4.04.11
